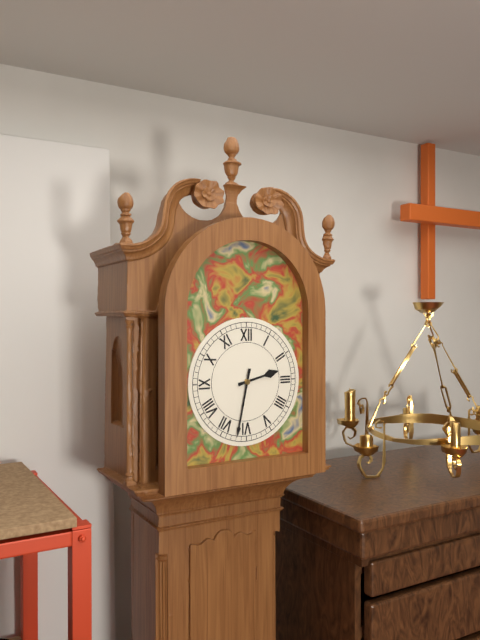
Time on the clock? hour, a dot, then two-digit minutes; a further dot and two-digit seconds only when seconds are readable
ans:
2.32
